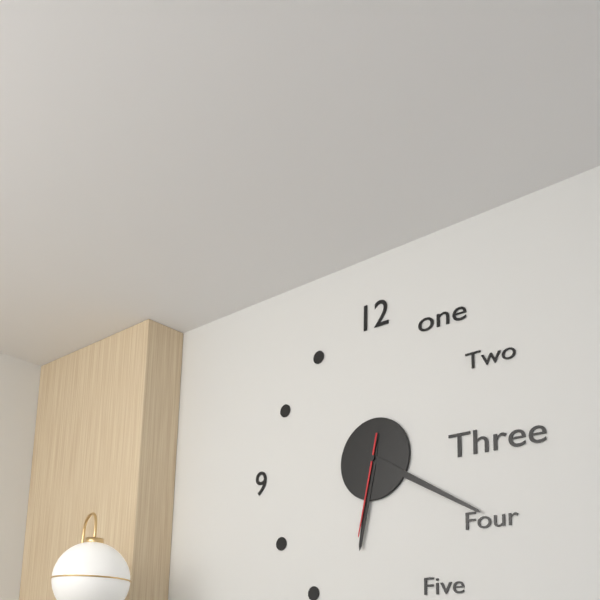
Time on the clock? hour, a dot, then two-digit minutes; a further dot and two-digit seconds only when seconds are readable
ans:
6.20.32
